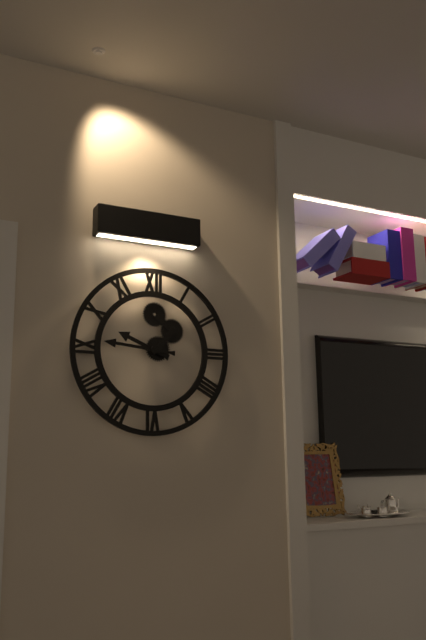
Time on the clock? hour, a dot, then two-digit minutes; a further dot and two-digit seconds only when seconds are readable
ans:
9.46
